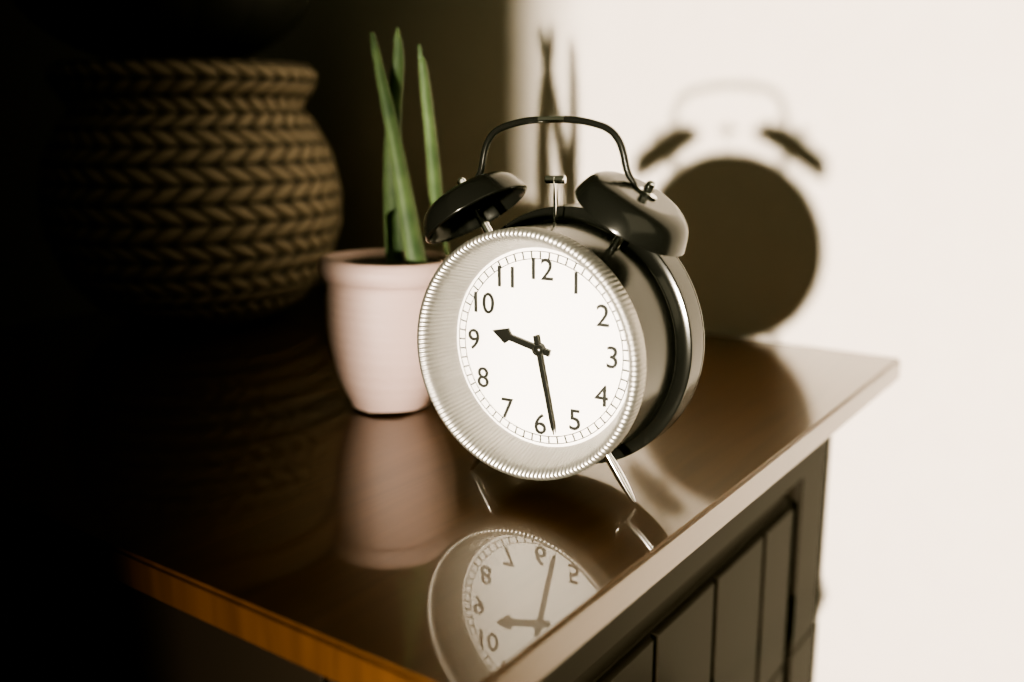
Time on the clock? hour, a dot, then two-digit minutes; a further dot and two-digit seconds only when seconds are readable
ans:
9.28
